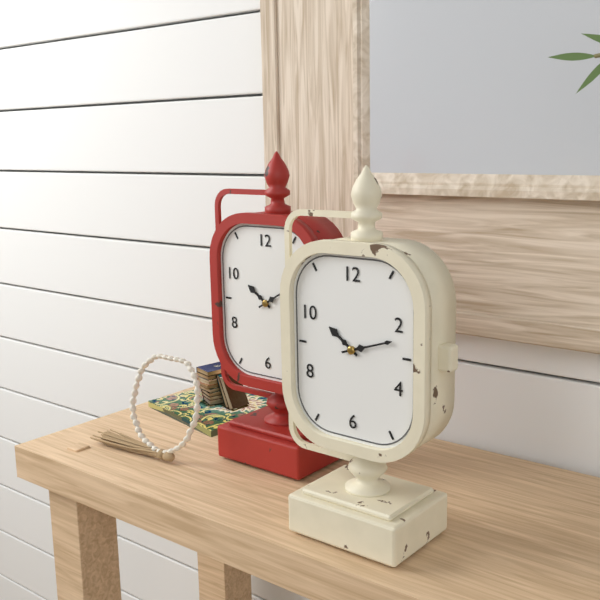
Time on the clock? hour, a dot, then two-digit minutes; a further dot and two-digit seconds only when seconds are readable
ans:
10.12
